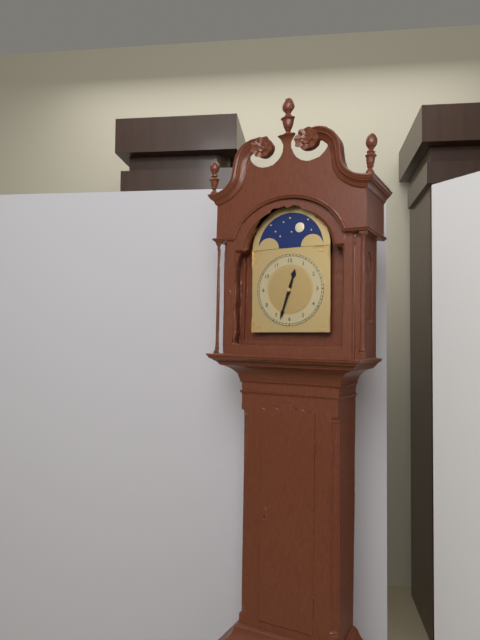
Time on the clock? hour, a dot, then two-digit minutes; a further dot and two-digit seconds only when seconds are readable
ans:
12.33
